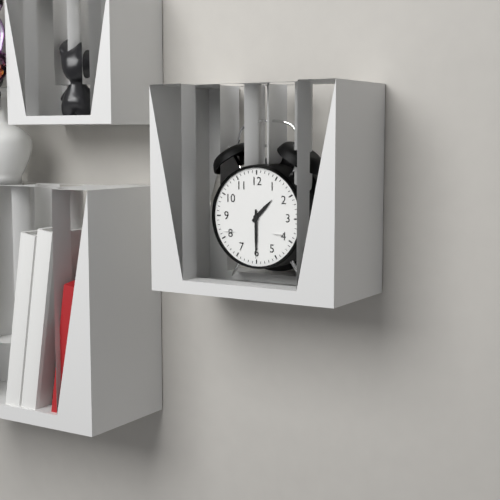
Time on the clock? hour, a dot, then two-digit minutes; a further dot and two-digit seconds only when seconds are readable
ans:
1.30
